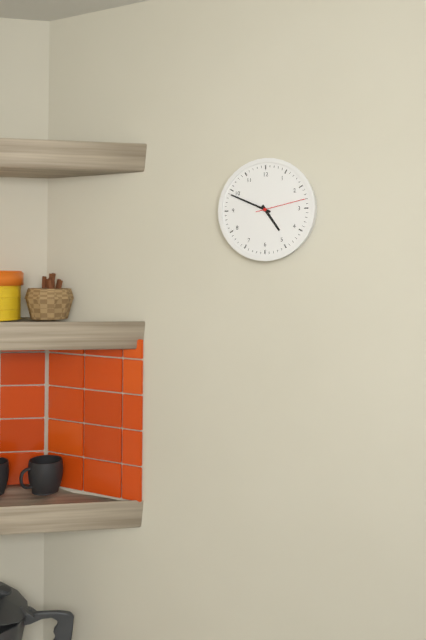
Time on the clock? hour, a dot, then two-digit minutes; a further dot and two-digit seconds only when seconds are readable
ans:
4.49.13
